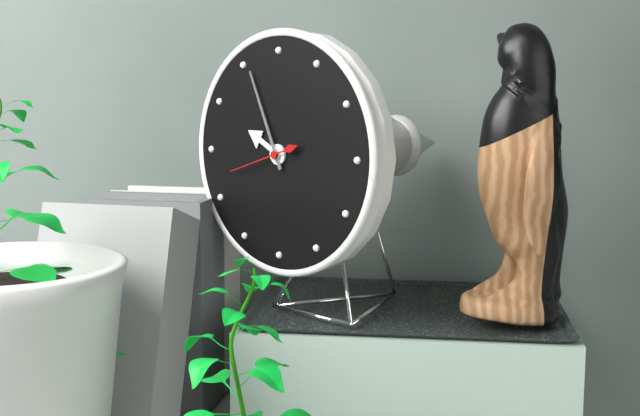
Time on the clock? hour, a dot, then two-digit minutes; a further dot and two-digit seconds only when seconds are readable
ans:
9.56.42
